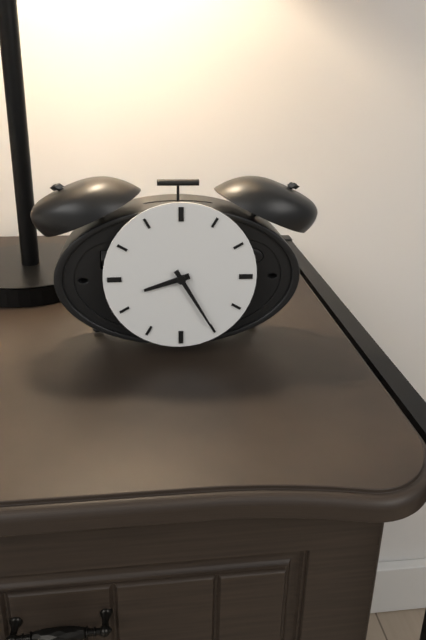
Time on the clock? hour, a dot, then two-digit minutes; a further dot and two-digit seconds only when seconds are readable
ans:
8.25
